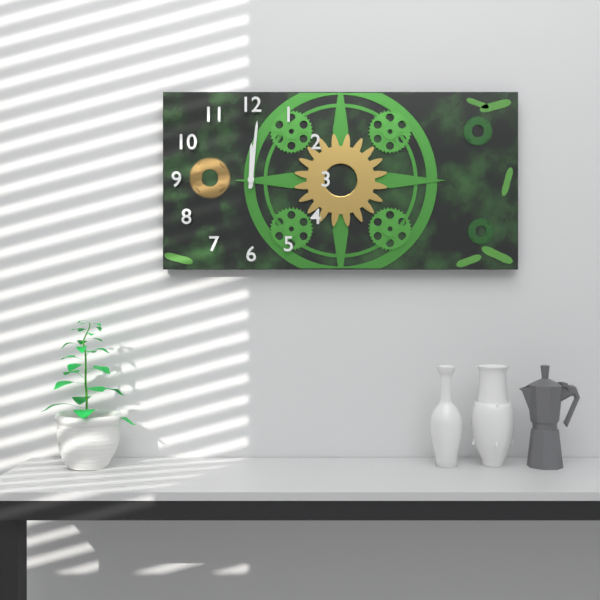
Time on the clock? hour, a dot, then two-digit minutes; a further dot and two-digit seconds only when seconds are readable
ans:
12.01
